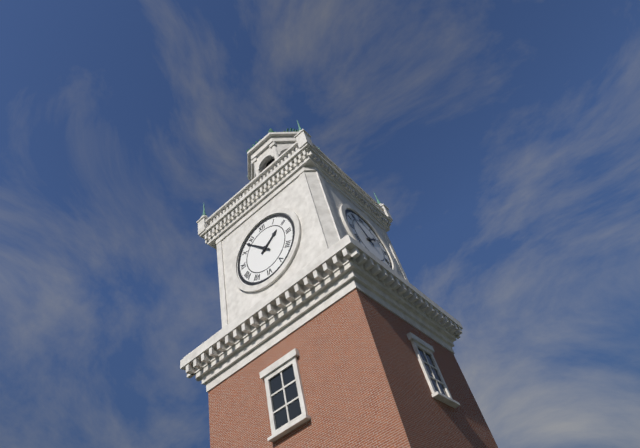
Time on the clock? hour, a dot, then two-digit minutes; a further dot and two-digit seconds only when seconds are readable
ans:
1.53
